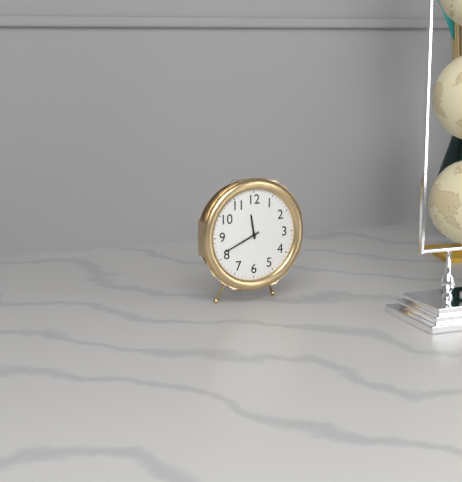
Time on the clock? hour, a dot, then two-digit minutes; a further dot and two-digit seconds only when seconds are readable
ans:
11.41
